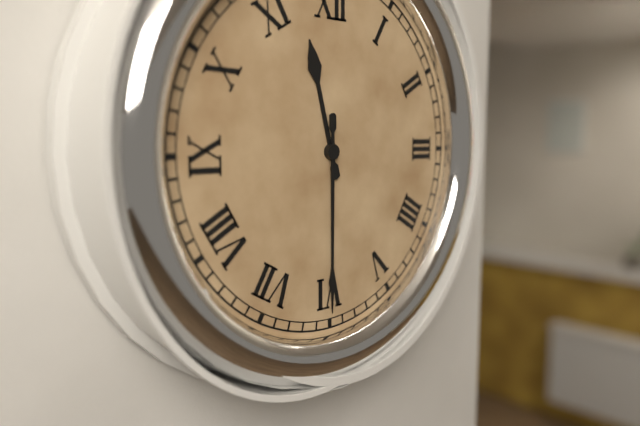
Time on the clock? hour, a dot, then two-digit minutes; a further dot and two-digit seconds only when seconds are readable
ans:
11.30
